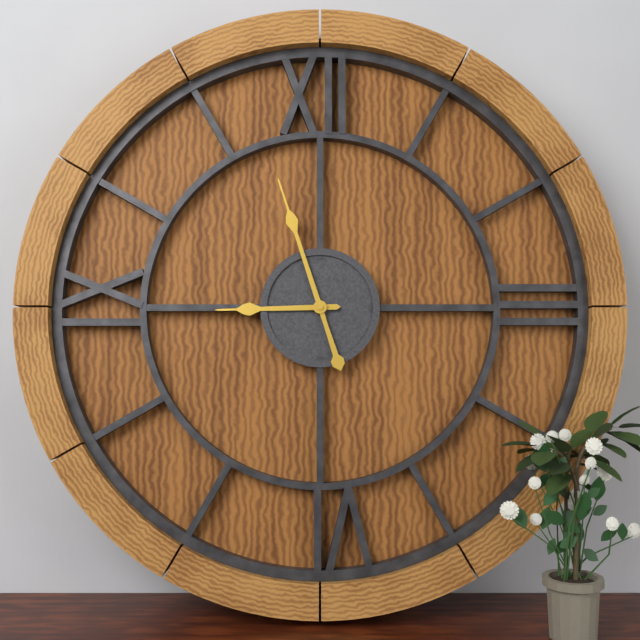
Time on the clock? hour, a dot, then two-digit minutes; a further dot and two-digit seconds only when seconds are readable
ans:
8.57
